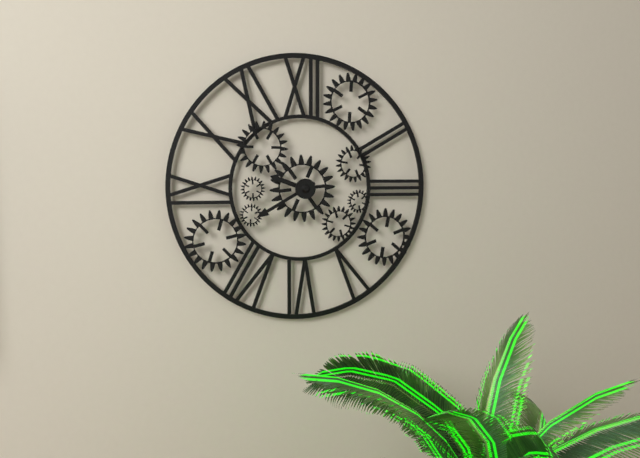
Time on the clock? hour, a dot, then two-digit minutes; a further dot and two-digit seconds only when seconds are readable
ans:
9.40
